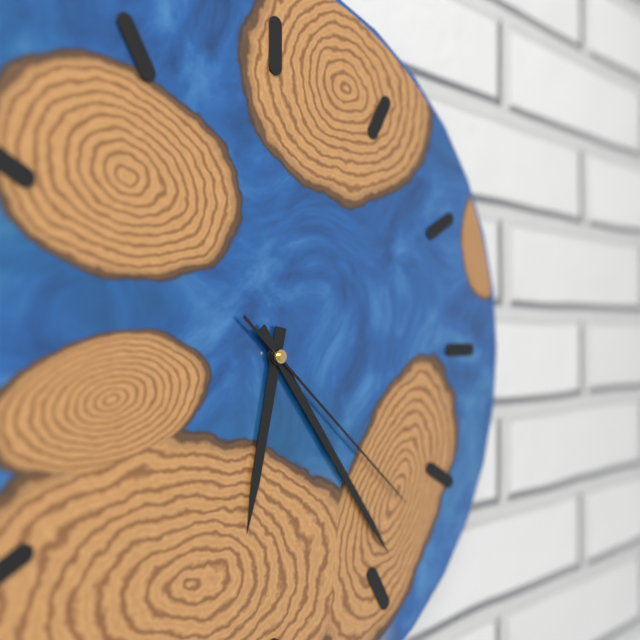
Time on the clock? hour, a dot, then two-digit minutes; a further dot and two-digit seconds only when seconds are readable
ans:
6.24.22
